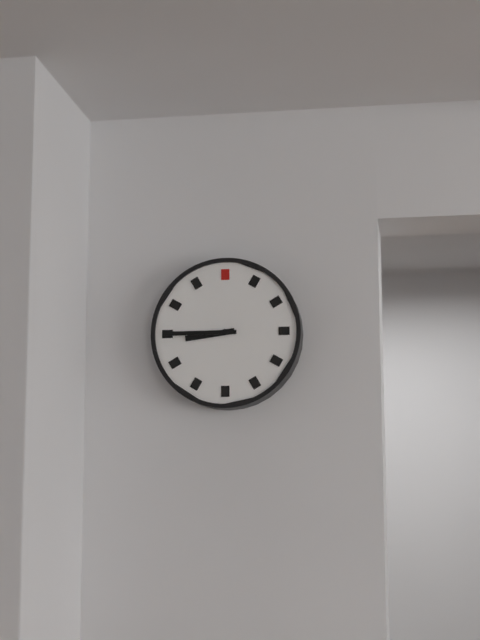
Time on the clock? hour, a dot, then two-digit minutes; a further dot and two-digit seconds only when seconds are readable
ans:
8.45
